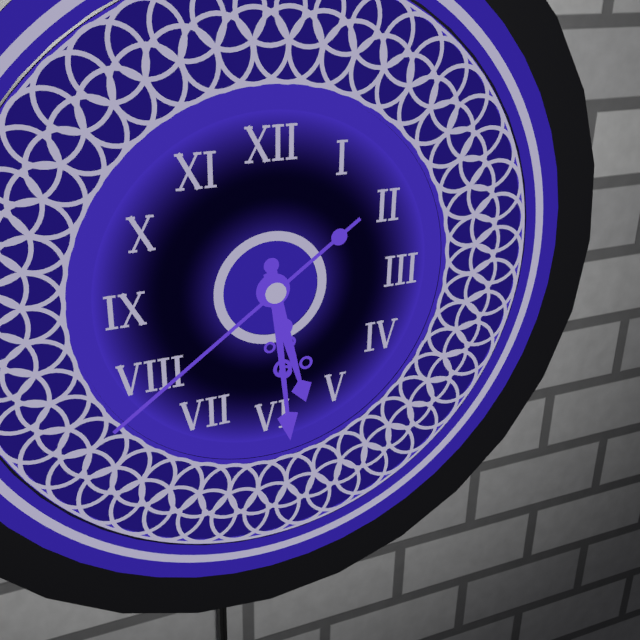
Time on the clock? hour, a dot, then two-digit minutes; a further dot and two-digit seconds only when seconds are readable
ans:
5.29.39
